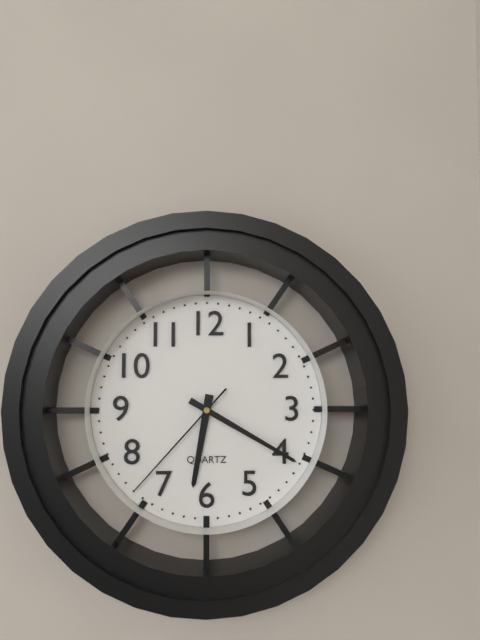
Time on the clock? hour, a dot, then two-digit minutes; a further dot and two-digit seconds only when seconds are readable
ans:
6.20.37
